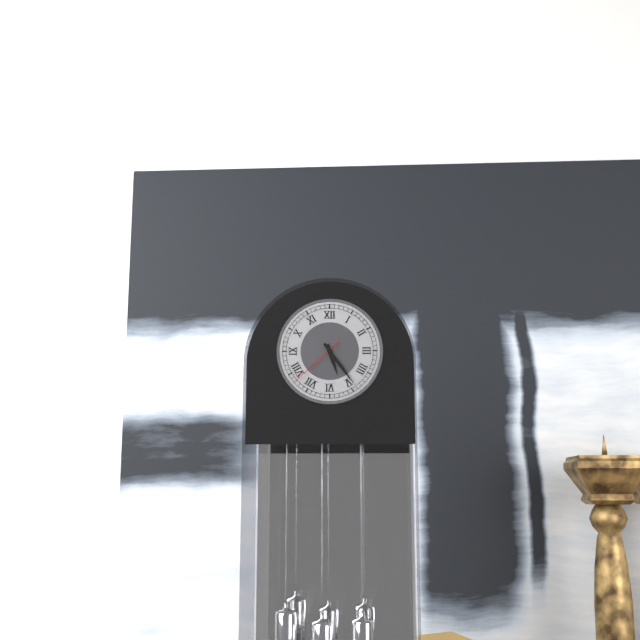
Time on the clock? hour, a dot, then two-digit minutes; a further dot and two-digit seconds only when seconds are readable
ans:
5.24.38
